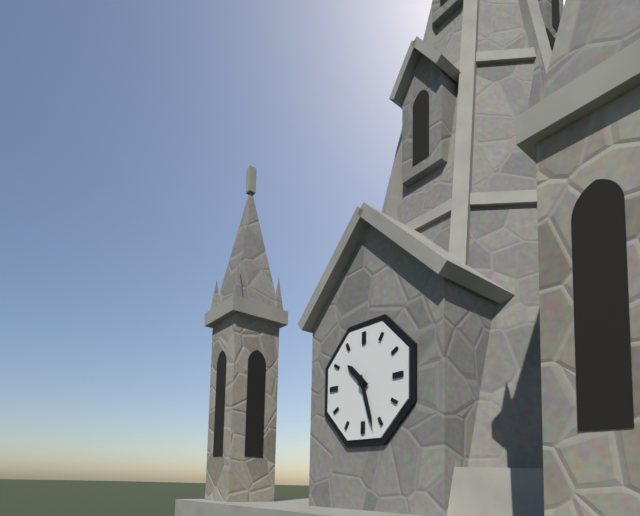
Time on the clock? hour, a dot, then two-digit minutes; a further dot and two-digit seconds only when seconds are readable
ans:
10.27
